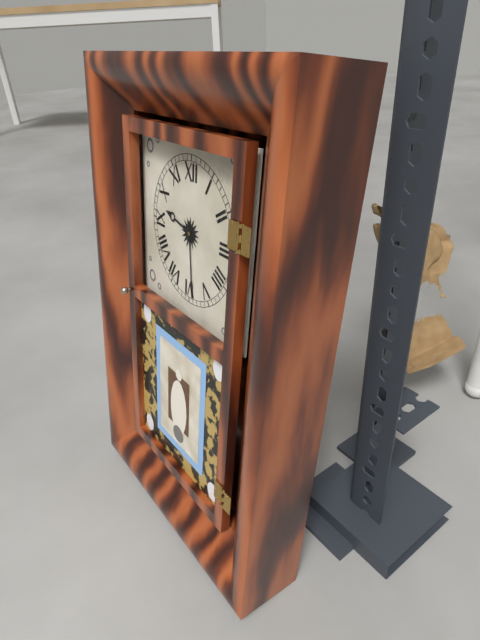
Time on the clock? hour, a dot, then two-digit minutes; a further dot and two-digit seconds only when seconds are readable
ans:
9.29
